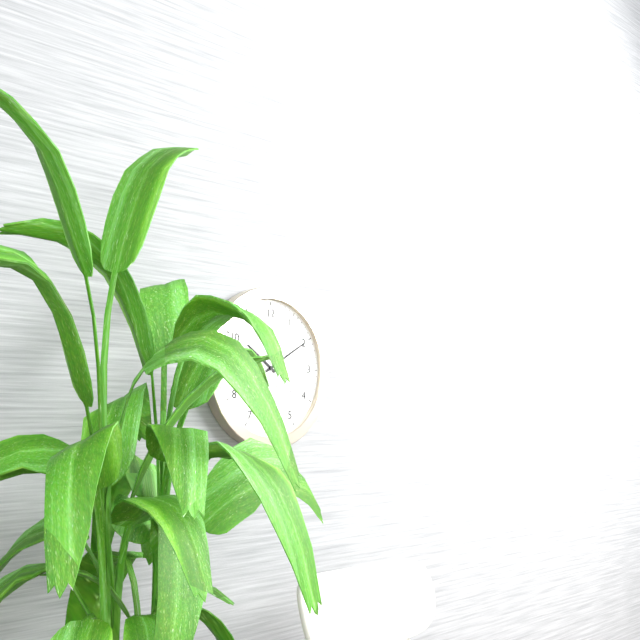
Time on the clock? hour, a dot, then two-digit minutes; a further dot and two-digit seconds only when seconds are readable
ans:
10.10.00
